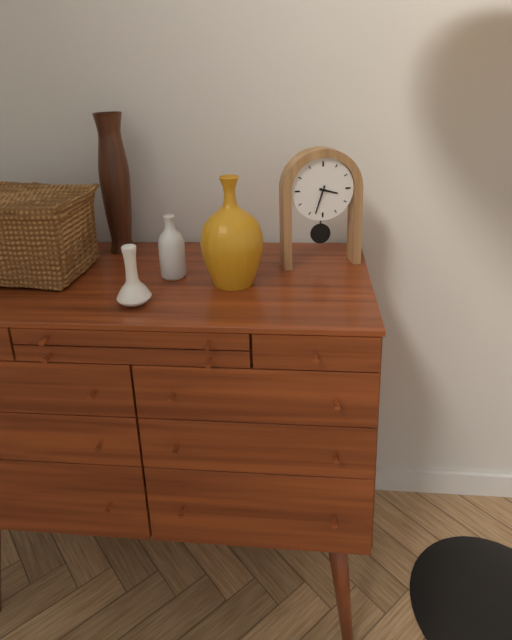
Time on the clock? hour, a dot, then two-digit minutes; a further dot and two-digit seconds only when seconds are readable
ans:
3.33
